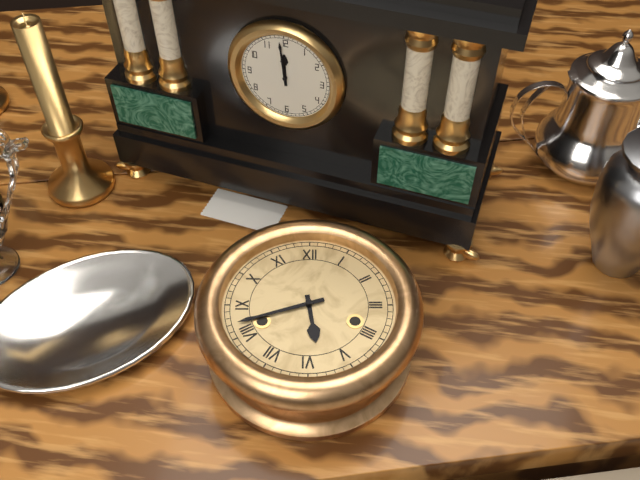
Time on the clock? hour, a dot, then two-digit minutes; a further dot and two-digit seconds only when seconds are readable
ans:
5.42
